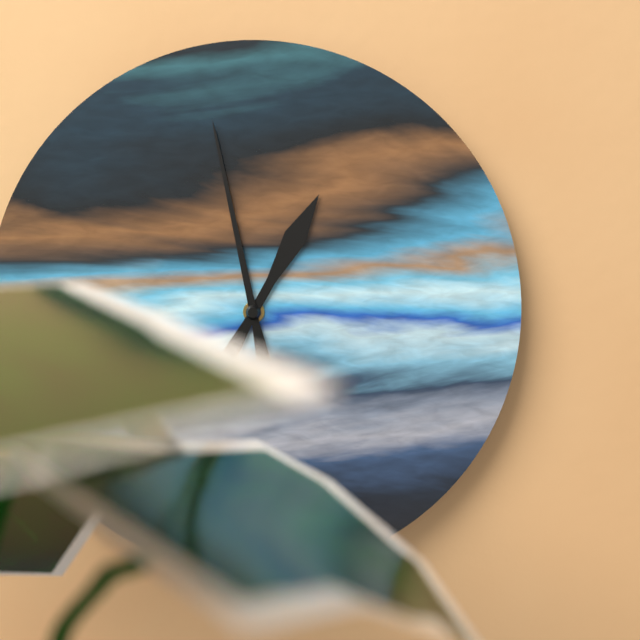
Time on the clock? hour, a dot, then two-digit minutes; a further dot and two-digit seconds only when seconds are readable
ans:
12.58
